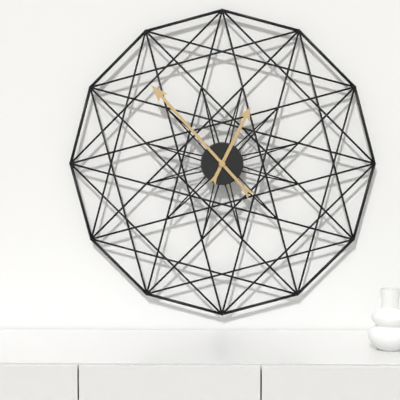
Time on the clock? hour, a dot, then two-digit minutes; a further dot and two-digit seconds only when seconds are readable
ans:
12.53
